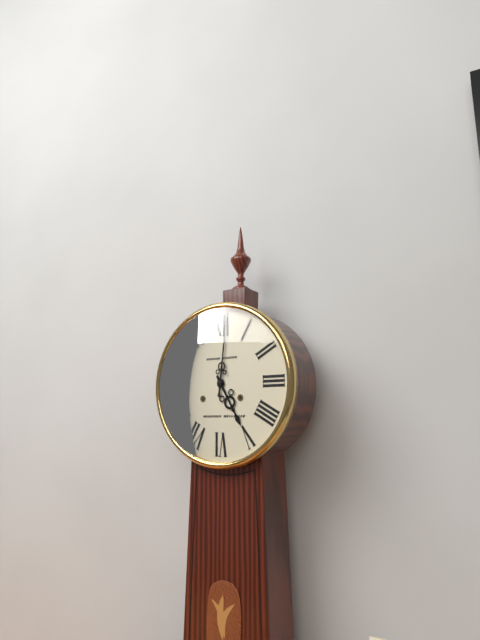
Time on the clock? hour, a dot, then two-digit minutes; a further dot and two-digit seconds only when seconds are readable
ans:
5.01
